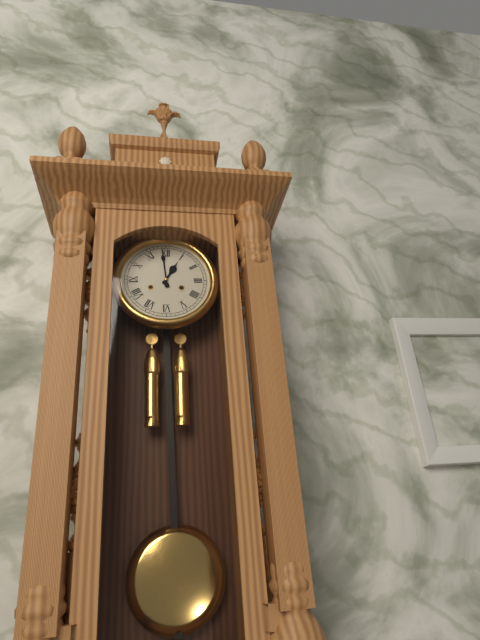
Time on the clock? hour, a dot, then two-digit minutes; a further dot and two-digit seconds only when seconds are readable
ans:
12.59
